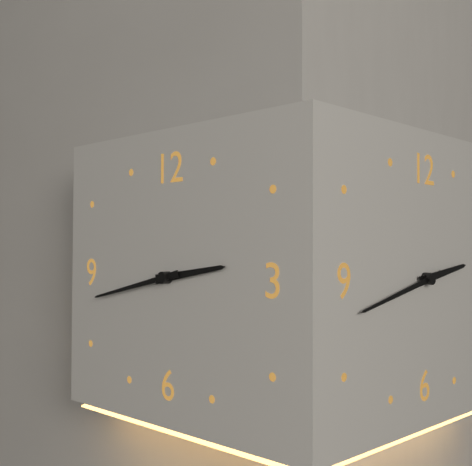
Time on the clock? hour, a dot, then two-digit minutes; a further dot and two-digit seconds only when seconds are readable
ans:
2.43
